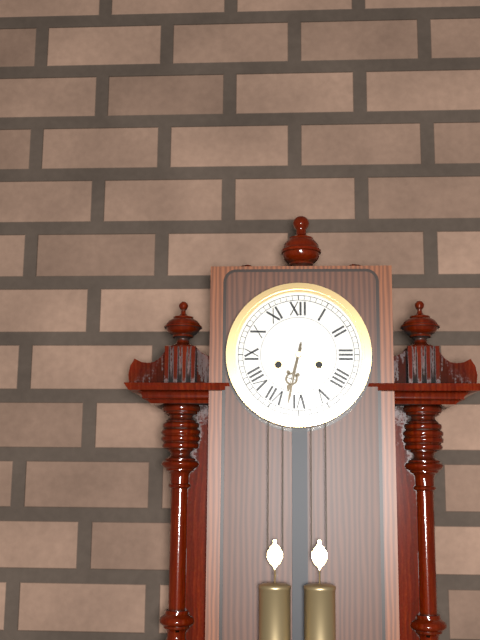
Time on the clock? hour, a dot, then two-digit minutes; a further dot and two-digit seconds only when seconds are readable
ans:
6.32
